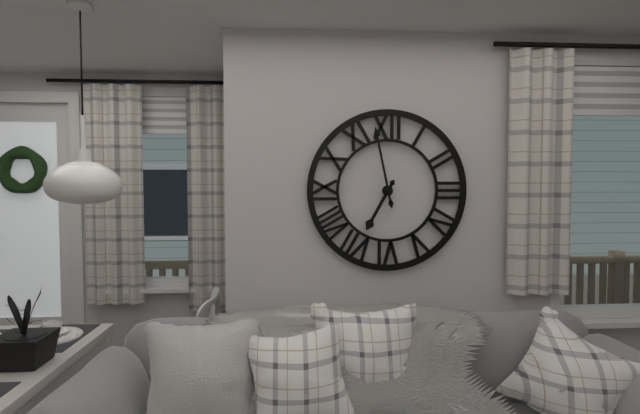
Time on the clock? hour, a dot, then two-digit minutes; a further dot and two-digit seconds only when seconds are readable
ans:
6.58
